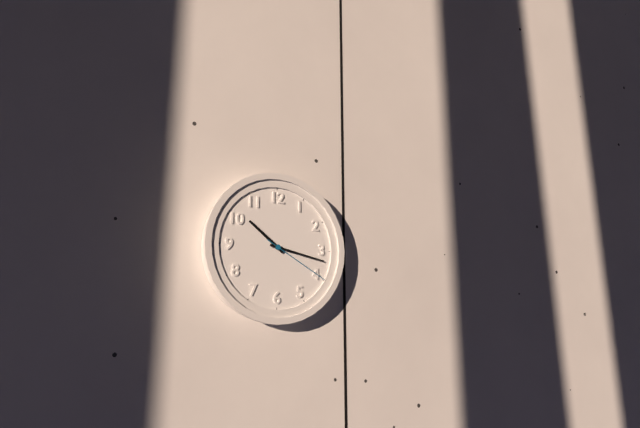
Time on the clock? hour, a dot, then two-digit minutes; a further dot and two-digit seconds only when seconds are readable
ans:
10.17.20
